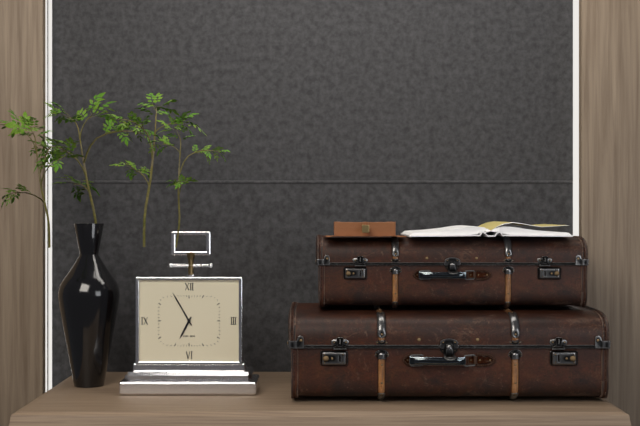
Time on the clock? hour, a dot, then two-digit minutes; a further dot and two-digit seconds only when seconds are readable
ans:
6.55
